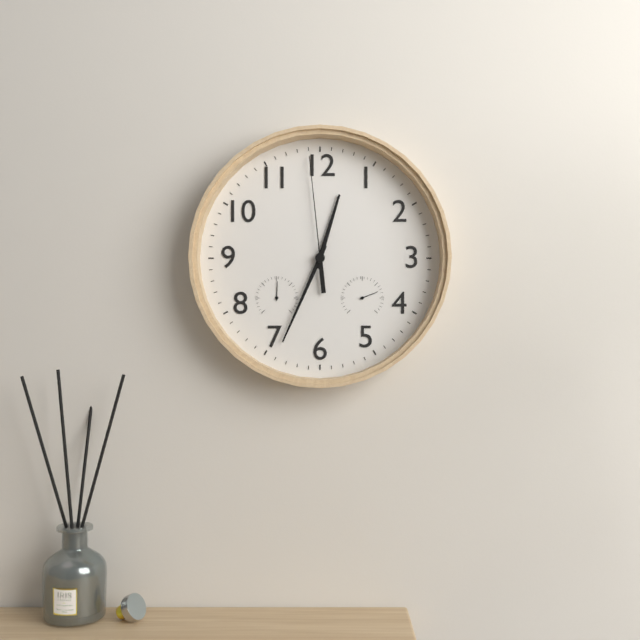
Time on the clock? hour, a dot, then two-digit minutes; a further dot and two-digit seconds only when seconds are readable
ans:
12.34.59
